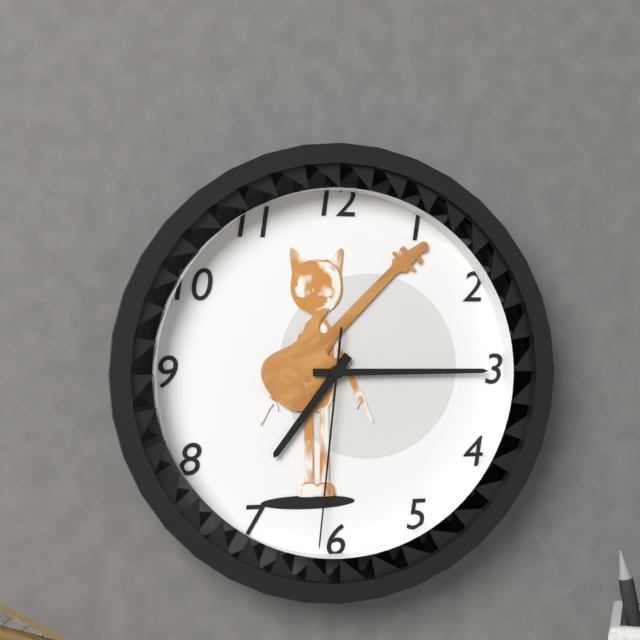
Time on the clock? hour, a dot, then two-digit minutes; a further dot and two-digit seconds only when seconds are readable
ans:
7.15.31
